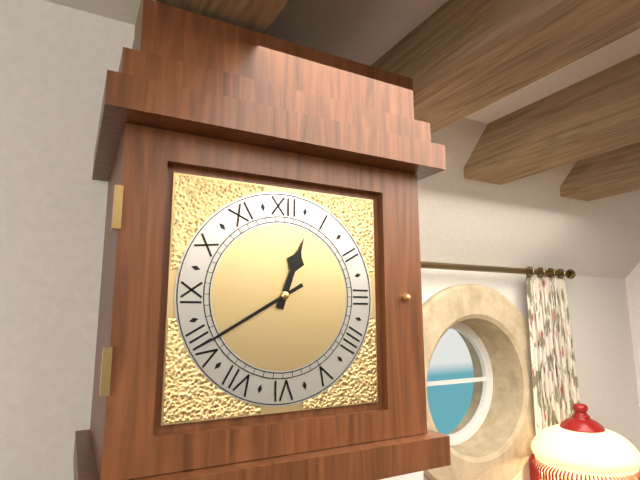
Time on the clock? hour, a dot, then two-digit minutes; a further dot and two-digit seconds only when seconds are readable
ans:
12.40
